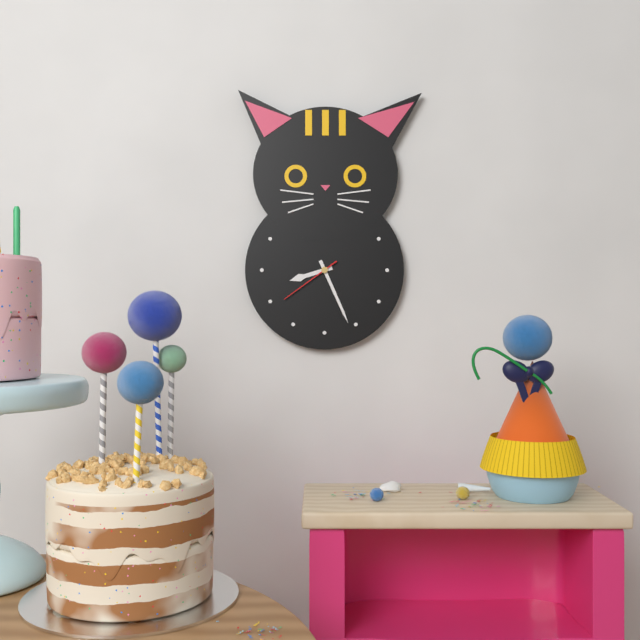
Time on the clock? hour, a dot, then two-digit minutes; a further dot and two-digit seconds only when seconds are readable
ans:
8.26.39
